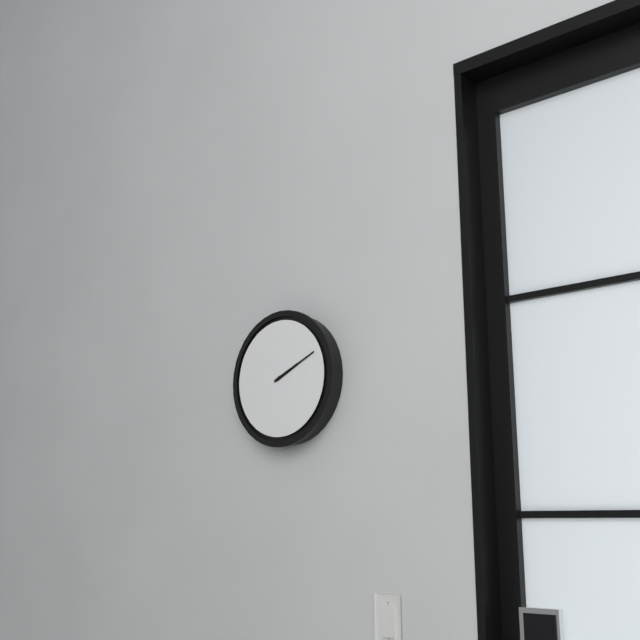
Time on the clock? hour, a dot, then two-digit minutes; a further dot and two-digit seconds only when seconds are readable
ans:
2.11
